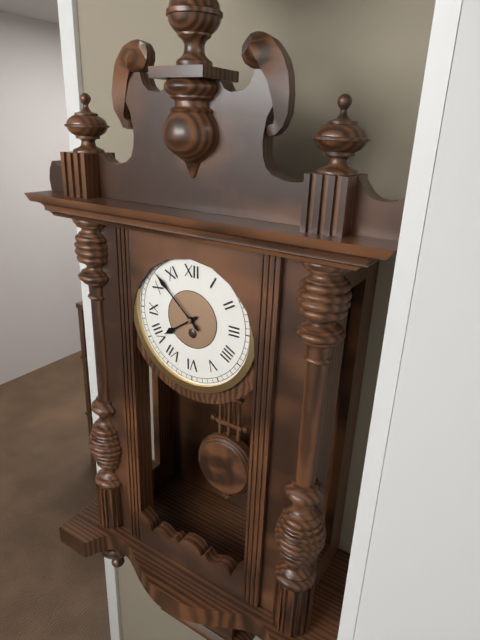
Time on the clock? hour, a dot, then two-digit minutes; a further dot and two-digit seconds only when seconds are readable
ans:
7.52
